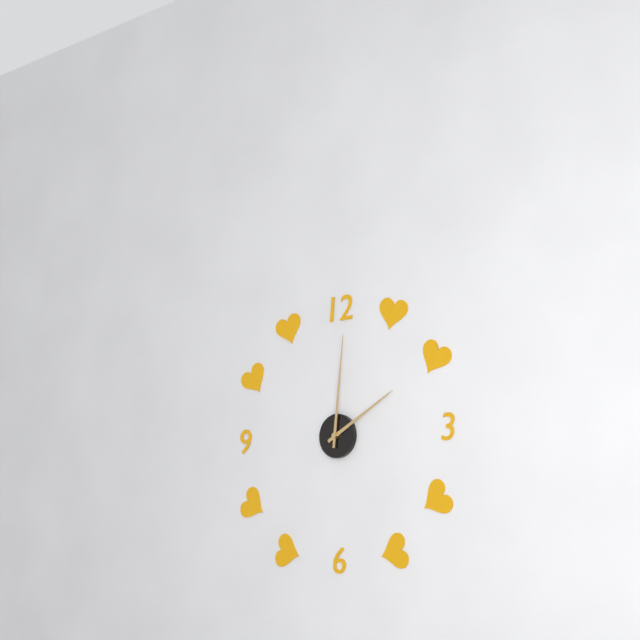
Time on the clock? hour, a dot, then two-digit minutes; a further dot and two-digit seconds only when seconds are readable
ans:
2.01
